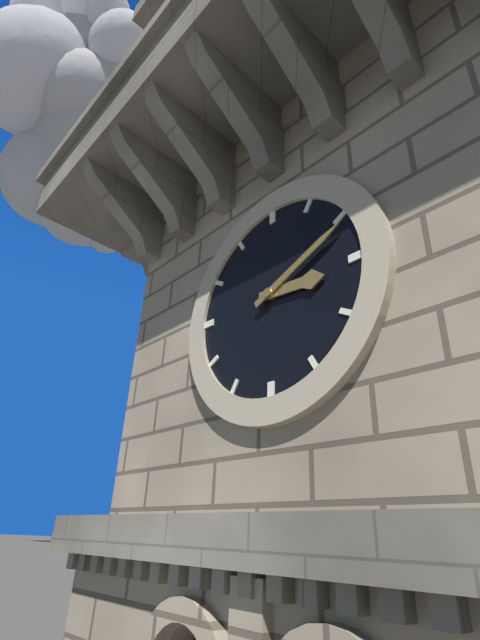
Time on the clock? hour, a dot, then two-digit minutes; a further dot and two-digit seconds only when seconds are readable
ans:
3.11
